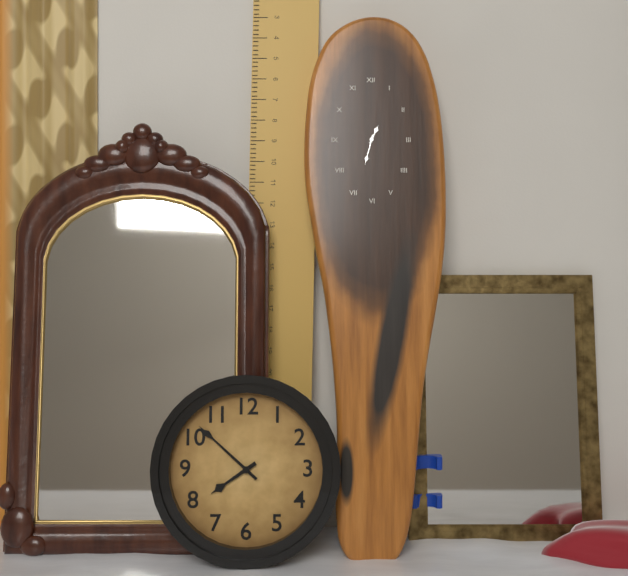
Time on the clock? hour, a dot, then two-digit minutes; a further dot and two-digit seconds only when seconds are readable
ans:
7.52
